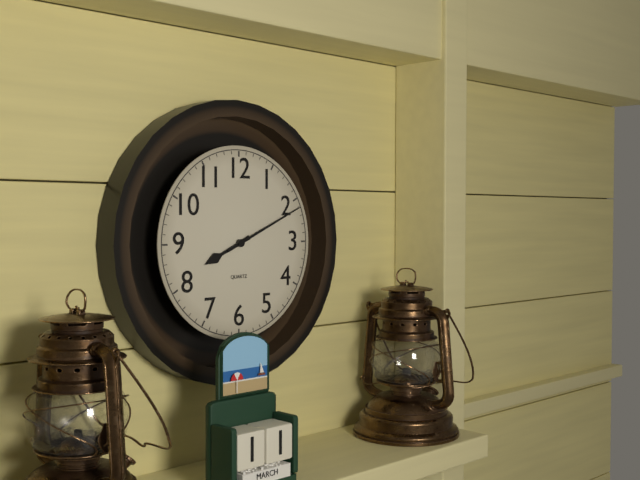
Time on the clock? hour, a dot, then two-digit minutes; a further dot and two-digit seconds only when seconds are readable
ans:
8.11
